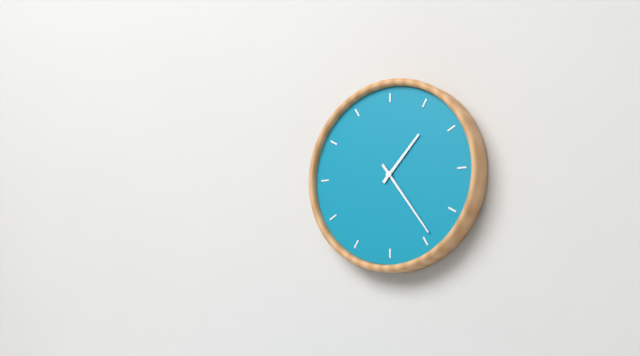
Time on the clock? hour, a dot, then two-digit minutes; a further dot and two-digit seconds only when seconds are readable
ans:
1.24
